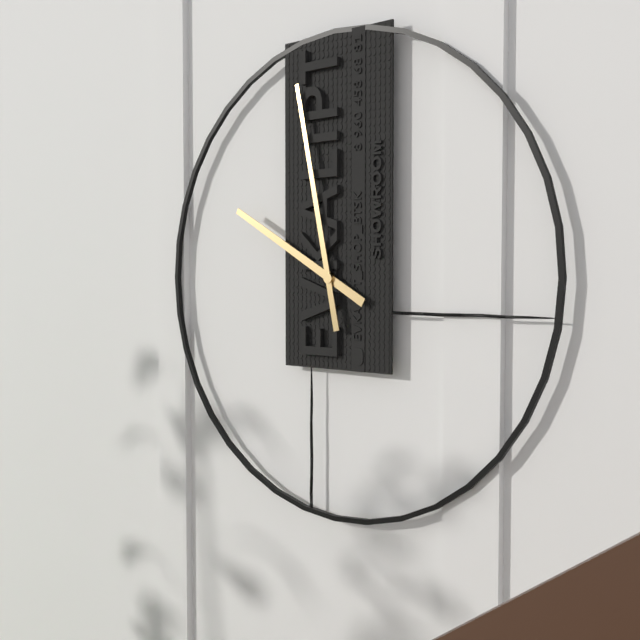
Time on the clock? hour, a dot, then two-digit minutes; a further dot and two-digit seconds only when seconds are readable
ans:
9.58
